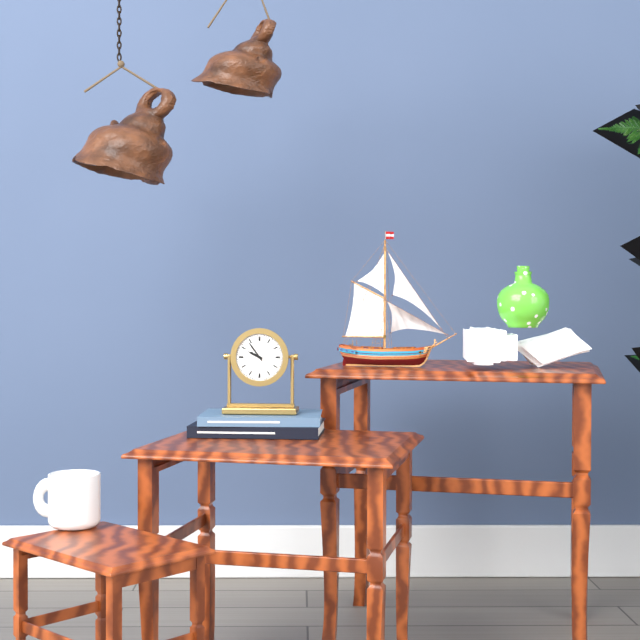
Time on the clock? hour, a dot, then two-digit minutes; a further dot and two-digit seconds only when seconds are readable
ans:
9.54
